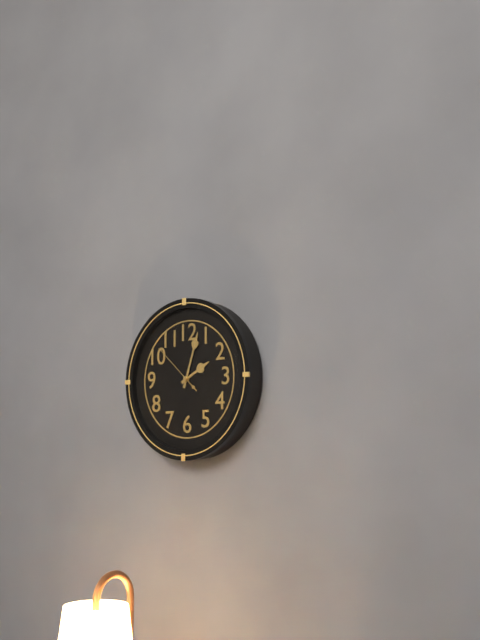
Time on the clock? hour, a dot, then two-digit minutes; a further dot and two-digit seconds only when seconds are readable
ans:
2.03.52
